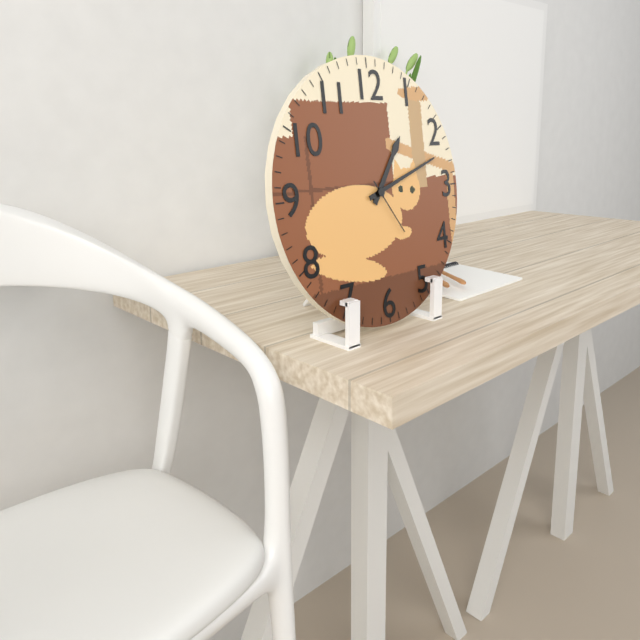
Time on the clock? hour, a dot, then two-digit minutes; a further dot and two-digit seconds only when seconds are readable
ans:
1.12.24
